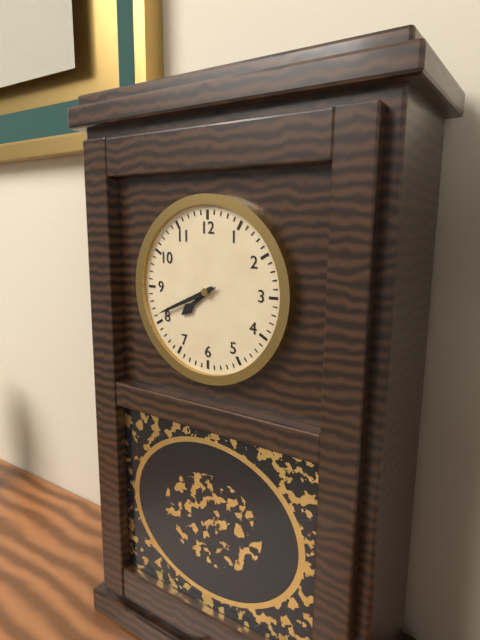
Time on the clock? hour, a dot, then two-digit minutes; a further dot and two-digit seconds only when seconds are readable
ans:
7.41
